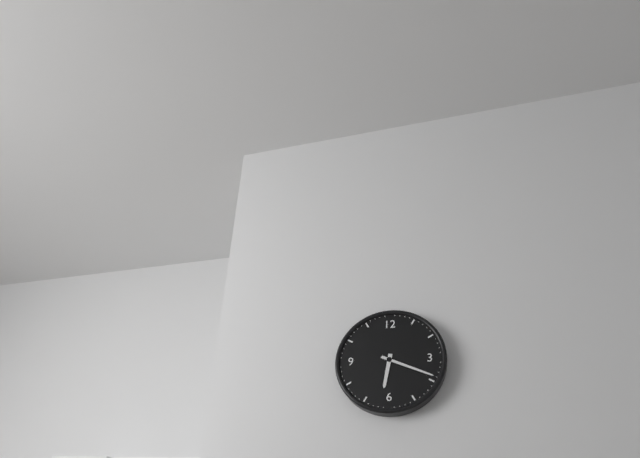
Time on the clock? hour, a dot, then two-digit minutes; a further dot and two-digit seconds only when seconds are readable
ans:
6.19
